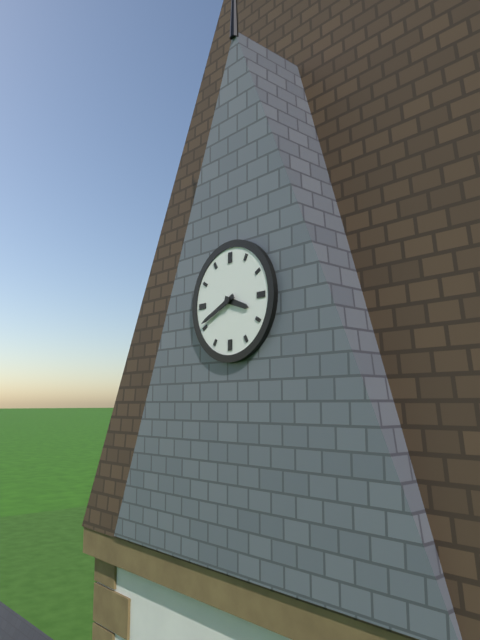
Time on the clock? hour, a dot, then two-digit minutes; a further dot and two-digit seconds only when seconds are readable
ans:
3.41
